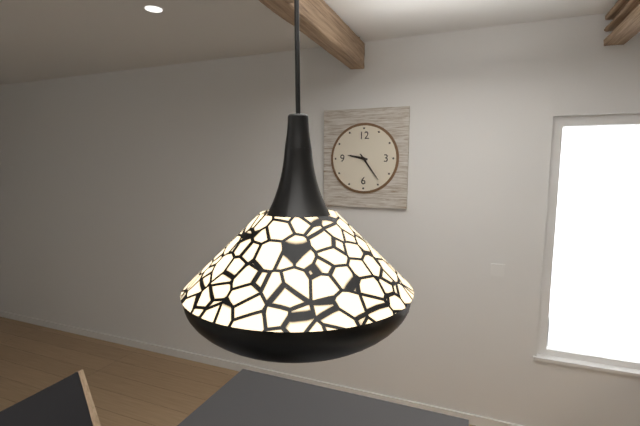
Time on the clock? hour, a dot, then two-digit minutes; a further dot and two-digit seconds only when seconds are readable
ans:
9.24
